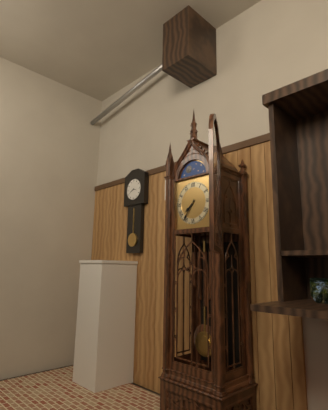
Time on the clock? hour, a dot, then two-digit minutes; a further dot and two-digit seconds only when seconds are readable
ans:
7.36
